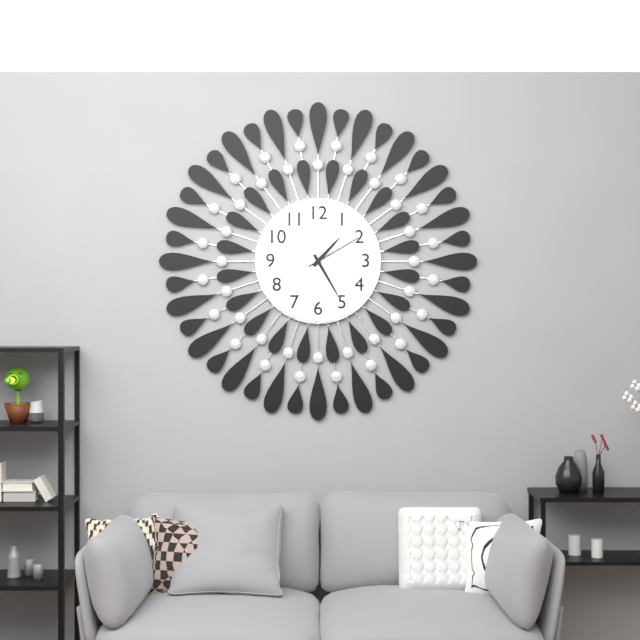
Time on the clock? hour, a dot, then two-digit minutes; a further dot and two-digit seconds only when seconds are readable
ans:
1.25.10
